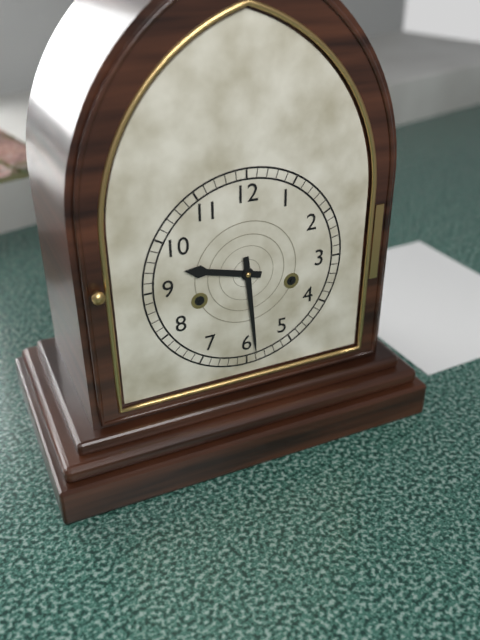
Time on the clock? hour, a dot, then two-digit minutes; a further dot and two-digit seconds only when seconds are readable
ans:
9.29
